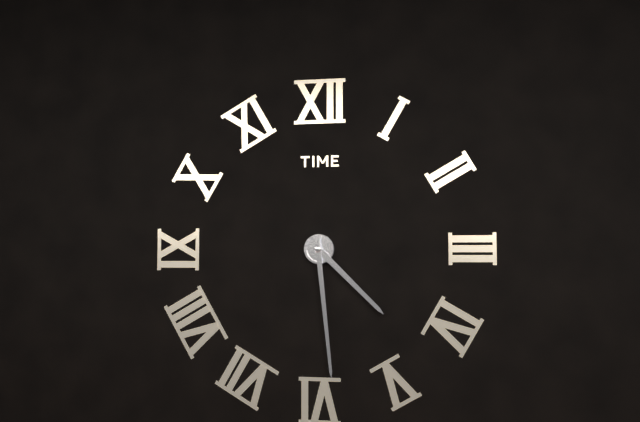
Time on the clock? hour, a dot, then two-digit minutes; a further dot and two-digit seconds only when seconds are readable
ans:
4.29
